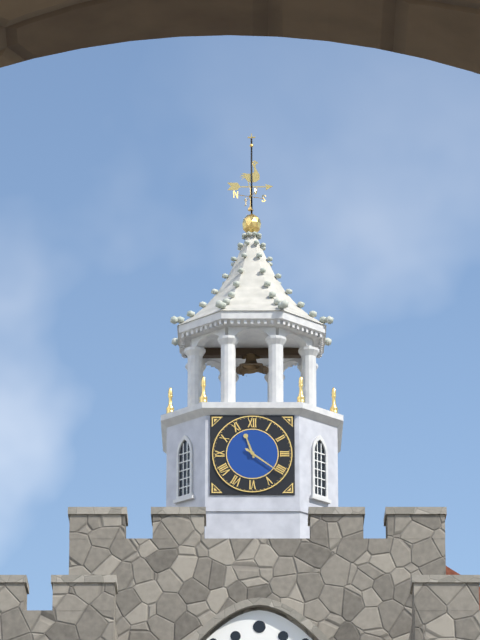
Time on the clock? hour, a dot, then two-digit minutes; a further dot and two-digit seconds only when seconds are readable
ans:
11.21
